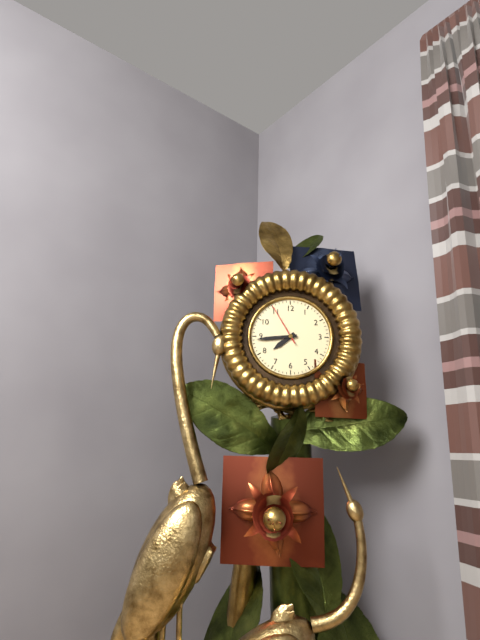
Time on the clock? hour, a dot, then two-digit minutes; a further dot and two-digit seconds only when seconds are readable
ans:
7.44
